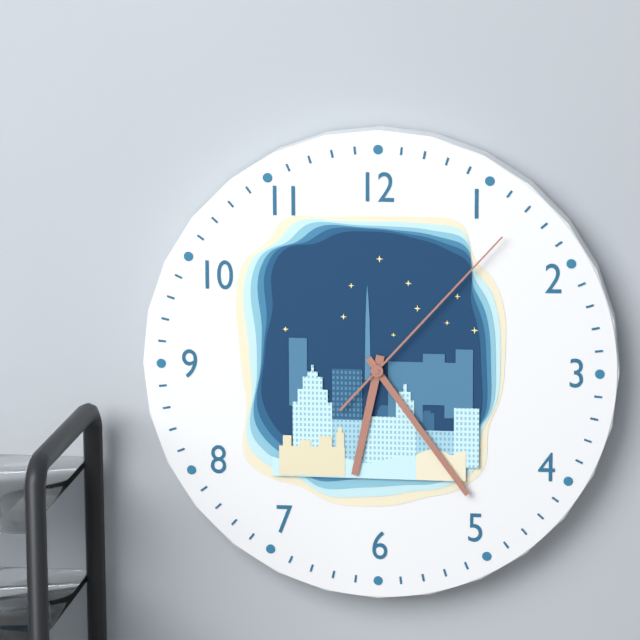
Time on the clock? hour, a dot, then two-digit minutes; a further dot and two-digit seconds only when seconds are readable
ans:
6.24.07
